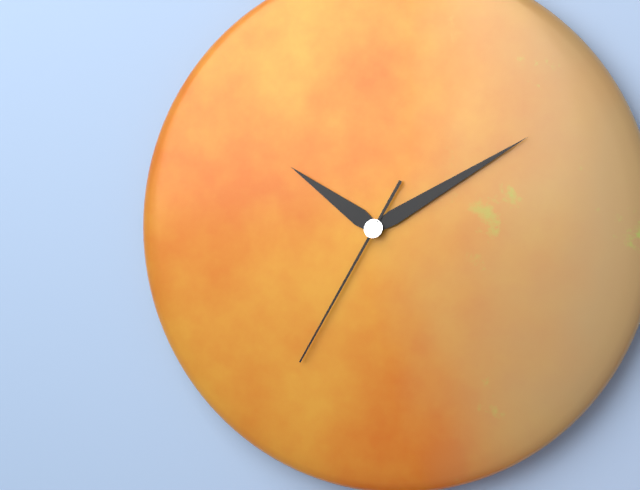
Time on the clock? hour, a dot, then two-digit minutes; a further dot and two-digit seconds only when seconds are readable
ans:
10.10.35
